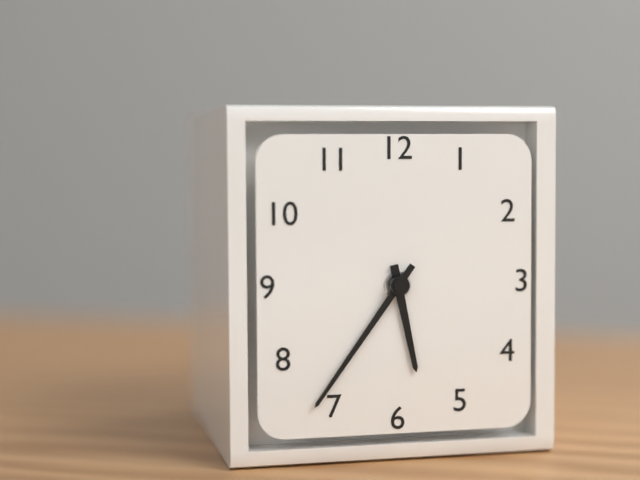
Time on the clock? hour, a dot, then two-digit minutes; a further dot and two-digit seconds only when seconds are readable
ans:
5.36
